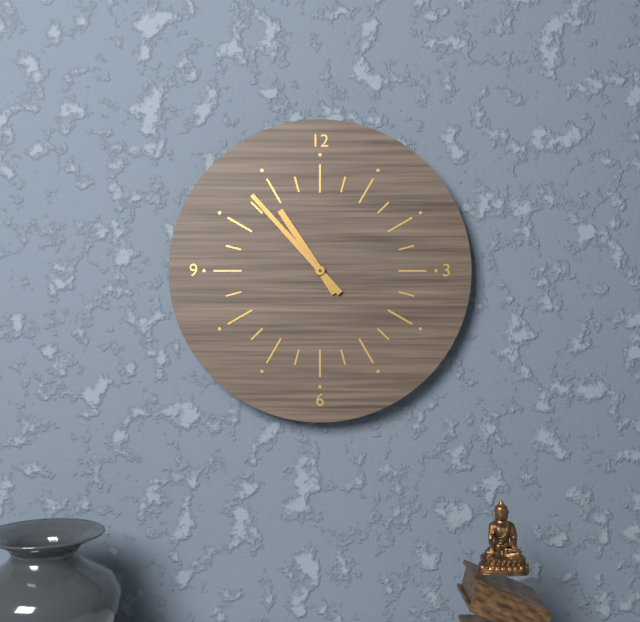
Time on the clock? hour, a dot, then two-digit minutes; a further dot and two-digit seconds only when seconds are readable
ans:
10.53
